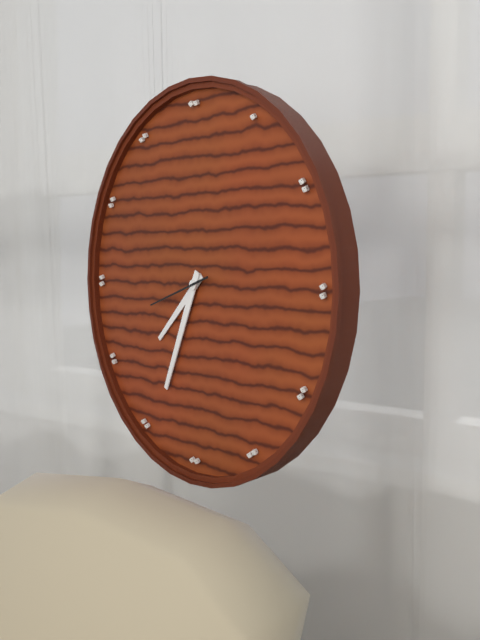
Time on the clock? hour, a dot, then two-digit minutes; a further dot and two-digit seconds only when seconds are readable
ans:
7.34.42
